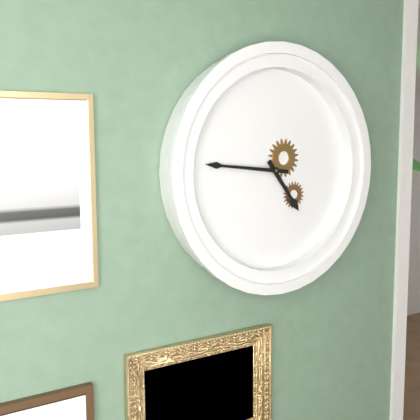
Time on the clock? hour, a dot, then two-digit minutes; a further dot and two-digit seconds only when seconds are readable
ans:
4.46
